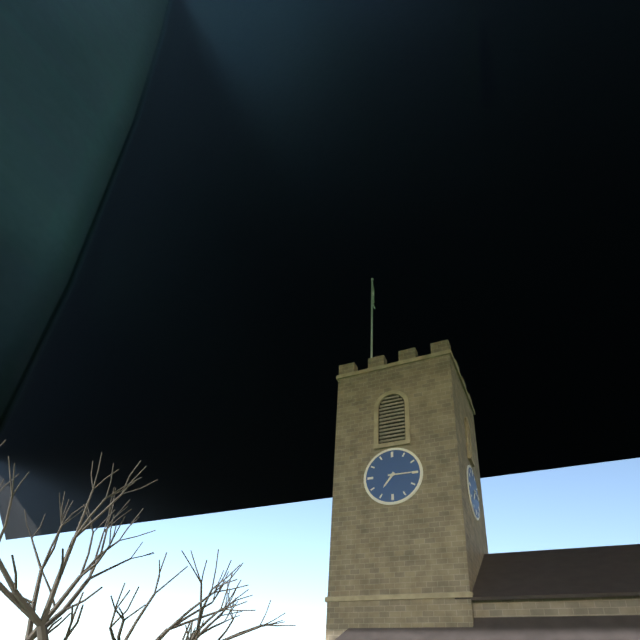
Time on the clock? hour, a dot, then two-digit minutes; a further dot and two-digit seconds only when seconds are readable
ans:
7.15
